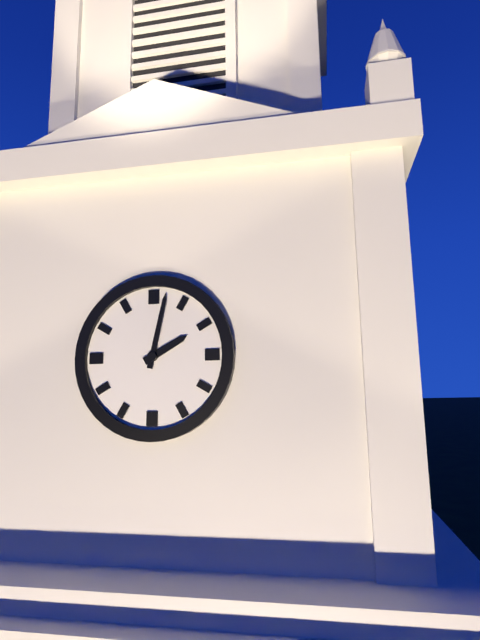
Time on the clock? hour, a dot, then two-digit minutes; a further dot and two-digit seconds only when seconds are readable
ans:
2.02
